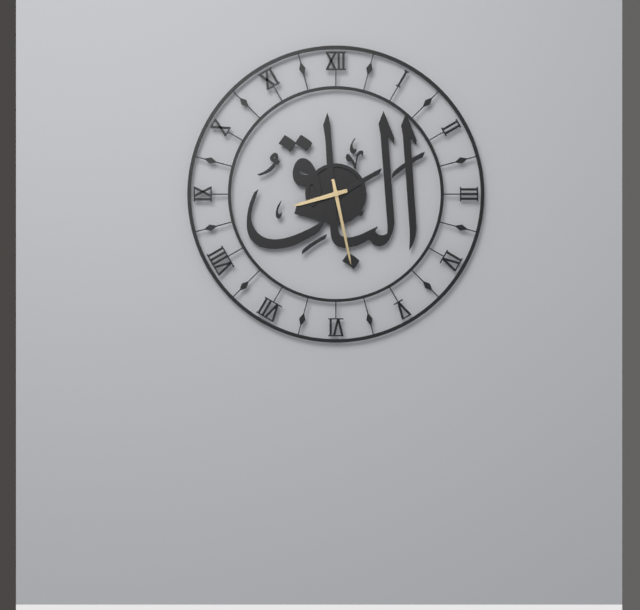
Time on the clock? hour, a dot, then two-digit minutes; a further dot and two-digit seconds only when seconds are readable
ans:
8.28
